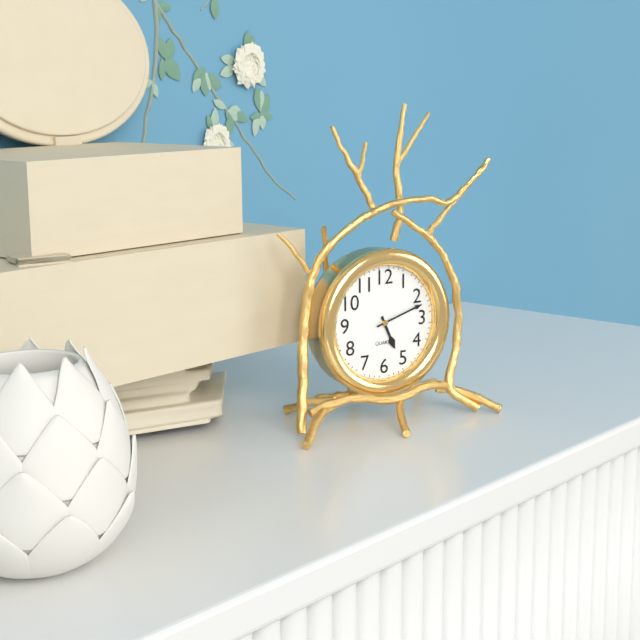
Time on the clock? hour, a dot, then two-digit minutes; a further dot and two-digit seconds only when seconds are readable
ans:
5.12
